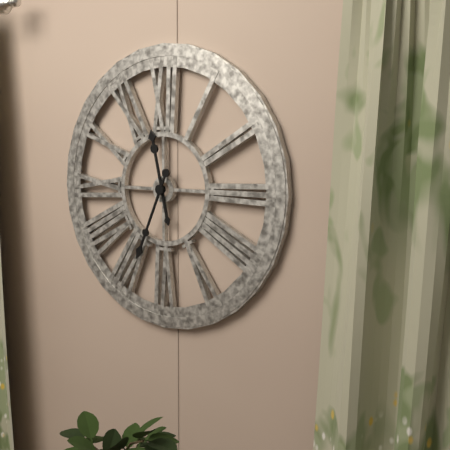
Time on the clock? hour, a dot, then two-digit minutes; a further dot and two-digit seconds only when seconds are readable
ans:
11.34
